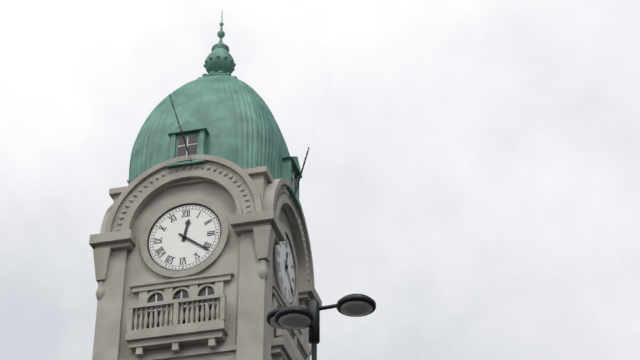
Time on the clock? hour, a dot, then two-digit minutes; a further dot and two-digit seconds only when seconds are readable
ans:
12.21
